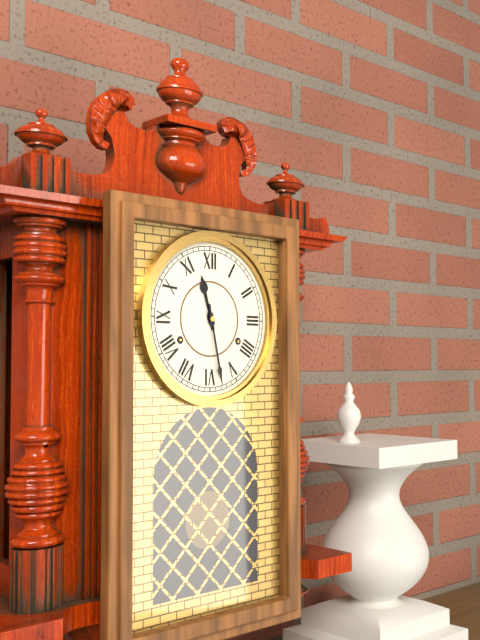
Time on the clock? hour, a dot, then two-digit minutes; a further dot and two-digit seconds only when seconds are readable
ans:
11.28
